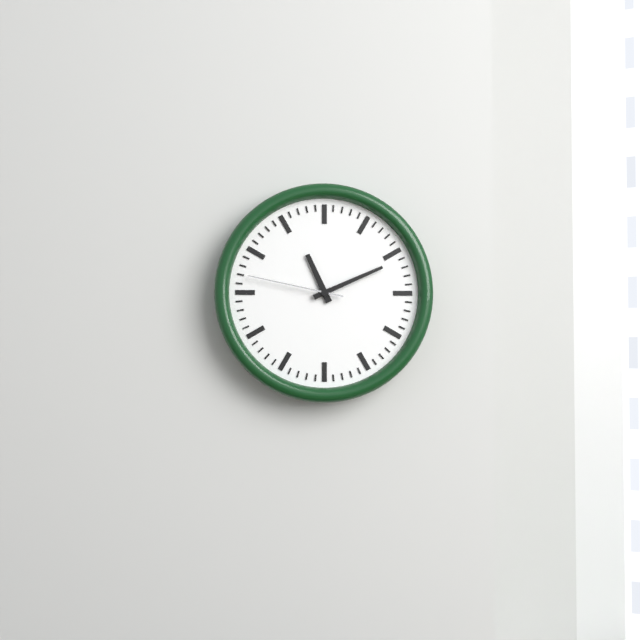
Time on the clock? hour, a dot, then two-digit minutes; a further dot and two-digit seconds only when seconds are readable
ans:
11.11.47
